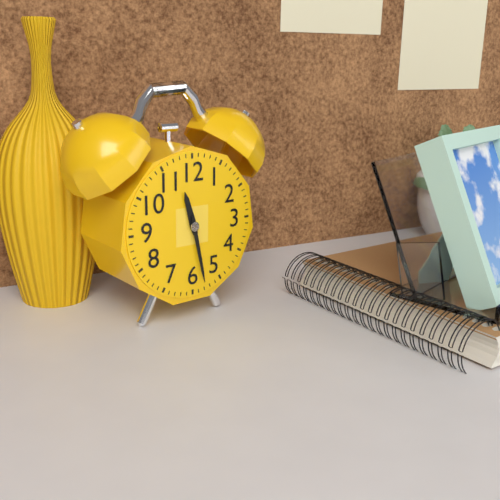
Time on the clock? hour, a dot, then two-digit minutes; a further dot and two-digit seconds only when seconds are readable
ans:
11.28
